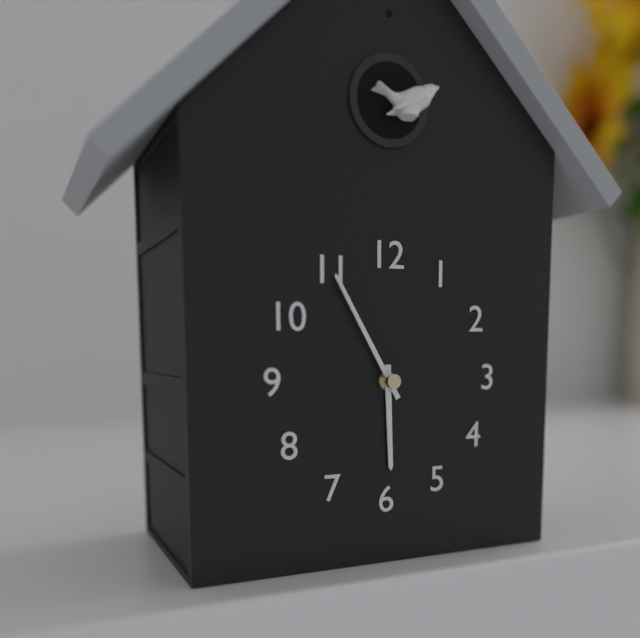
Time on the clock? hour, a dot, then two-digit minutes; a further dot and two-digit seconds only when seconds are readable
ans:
5.55
